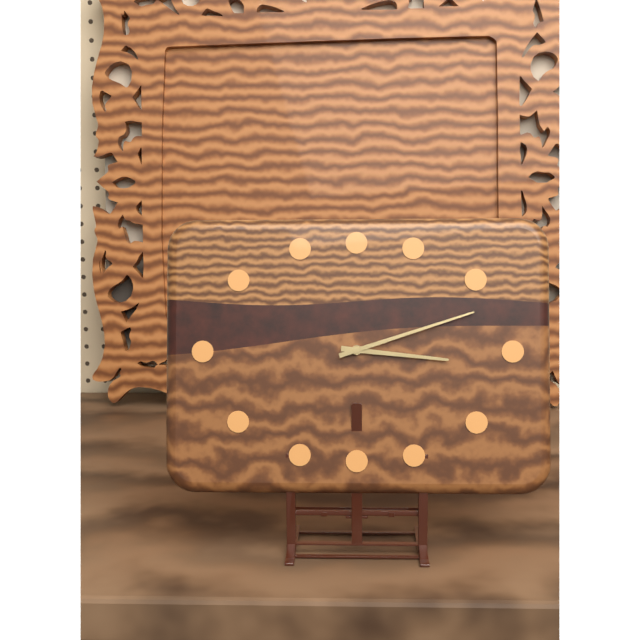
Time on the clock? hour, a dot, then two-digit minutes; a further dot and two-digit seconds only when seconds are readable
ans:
3.12
